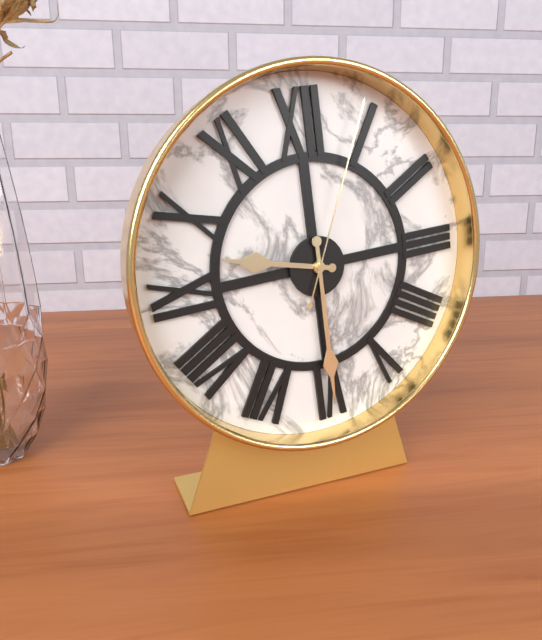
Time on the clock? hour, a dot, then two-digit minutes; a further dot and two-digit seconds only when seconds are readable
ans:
9.30.04
